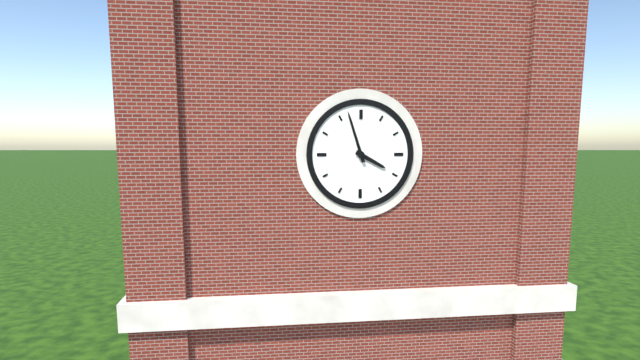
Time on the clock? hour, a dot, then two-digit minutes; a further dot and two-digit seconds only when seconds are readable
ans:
3.57
